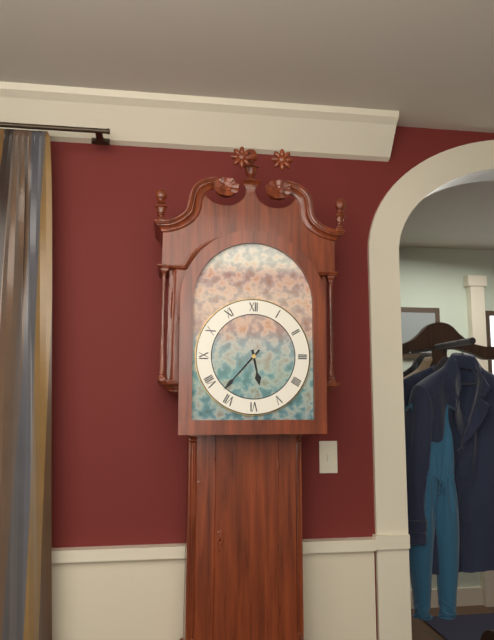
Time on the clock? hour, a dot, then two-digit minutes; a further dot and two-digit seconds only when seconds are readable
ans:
5.37
